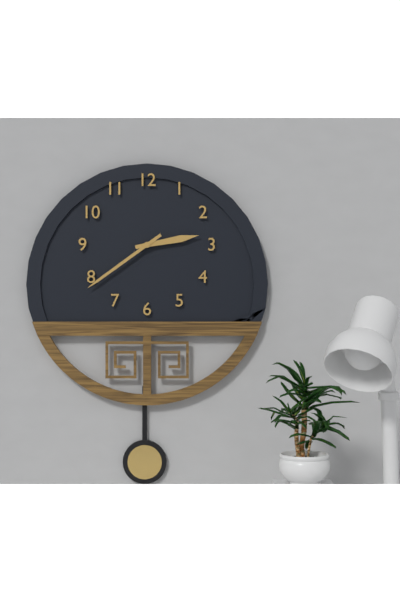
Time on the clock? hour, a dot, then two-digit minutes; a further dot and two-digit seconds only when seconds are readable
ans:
2.39
